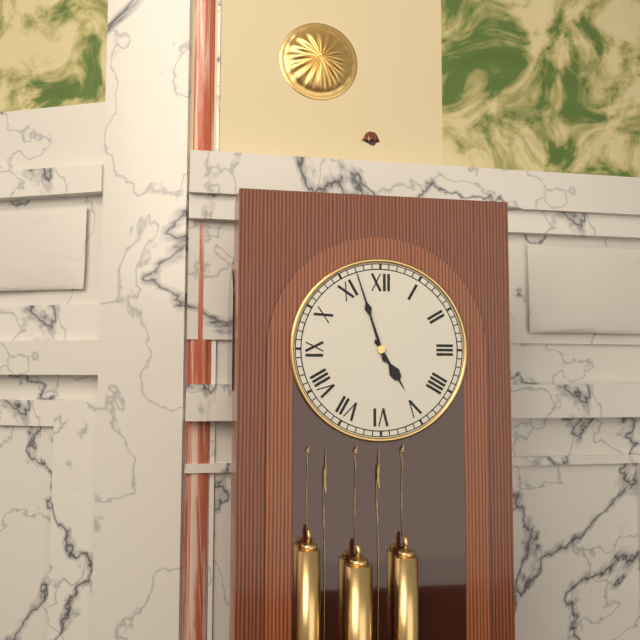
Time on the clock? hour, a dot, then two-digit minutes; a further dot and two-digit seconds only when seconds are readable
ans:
4.57
